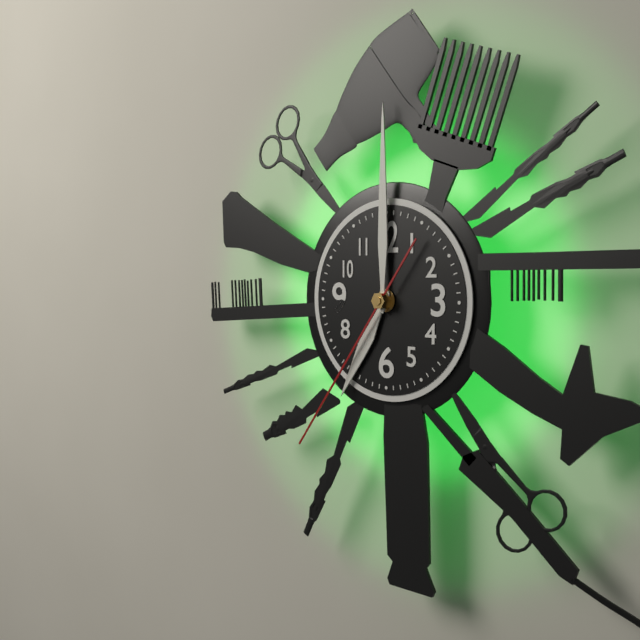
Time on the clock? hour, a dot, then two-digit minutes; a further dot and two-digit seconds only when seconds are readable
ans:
7.00.36
